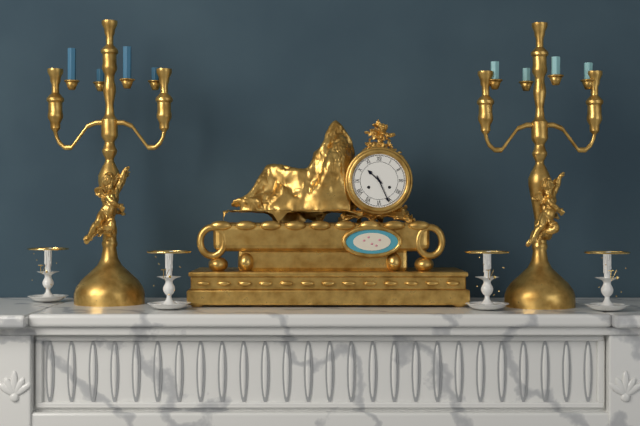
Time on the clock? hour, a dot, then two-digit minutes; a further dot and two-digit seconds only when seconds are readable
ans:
10.26
